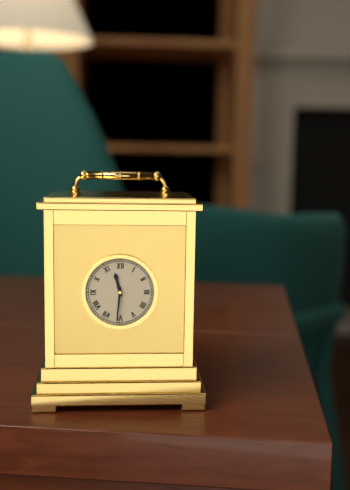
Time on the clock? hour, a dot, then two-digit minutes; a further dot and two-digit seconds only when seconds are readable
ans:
11.31
